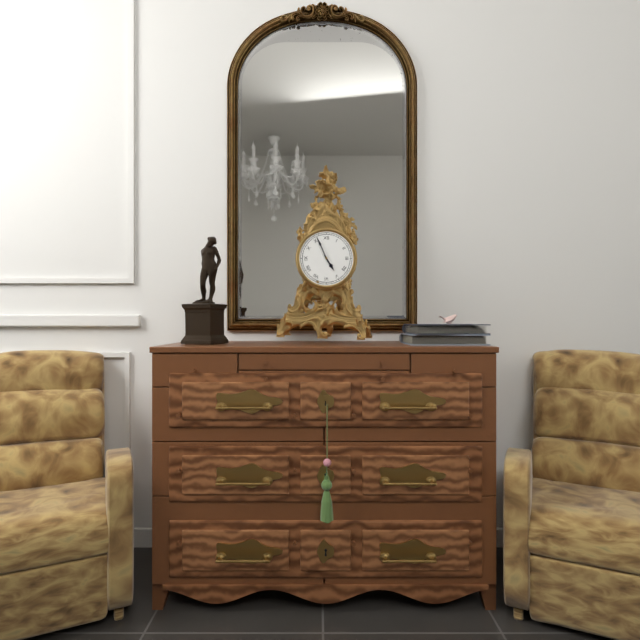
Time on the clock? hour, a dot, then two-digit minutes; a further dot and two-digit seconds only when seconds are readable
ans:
4.56
